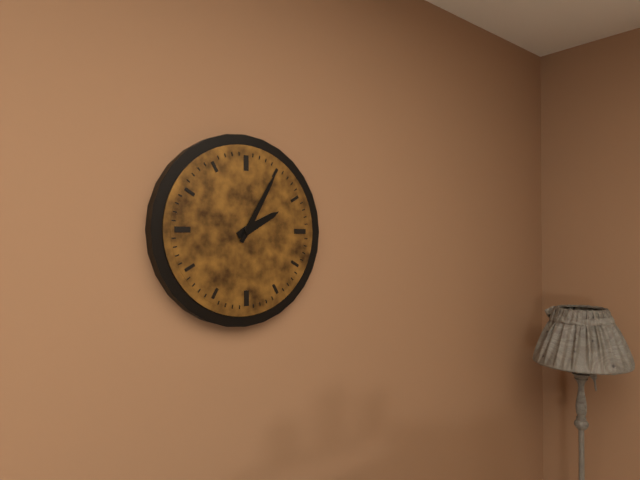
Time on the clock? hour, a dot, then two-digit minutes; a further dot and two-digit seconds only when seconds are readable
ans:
2.05
